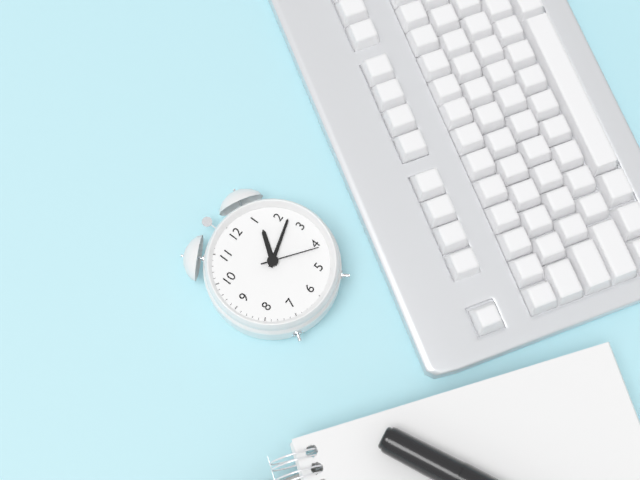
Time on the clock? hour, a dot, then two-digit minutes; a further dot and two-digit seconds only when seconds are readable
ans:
1.12.21
